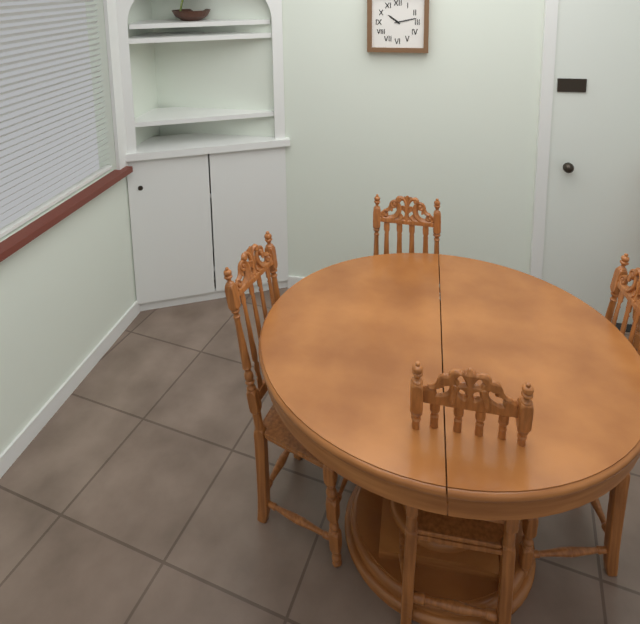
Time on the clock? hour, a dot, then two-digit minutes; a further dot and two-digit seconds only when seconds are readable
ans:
10.13
